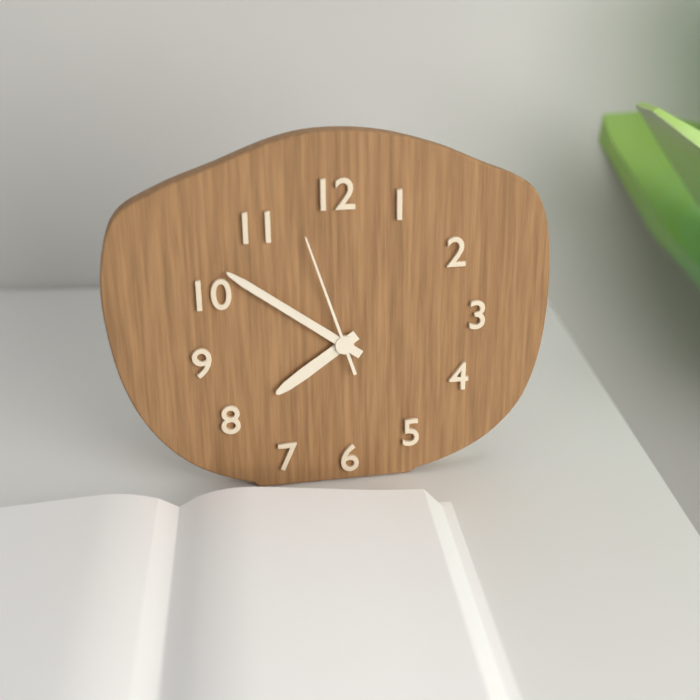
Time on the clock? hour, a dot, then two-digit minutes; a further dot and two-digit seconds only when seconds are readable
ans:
7.51.57
